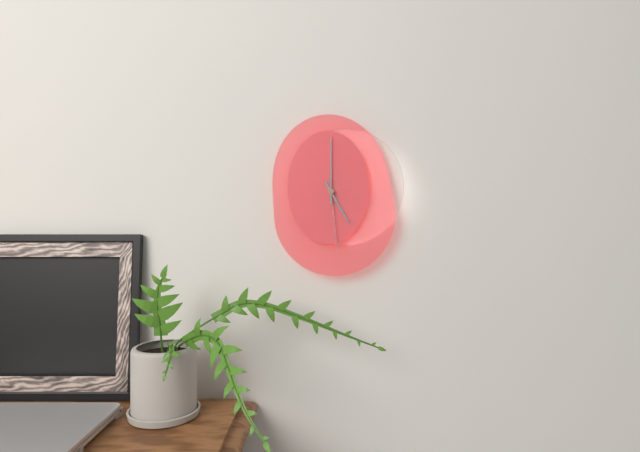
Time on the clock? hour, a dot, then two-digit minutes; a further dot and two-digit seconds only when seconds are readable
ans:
5.00.29
